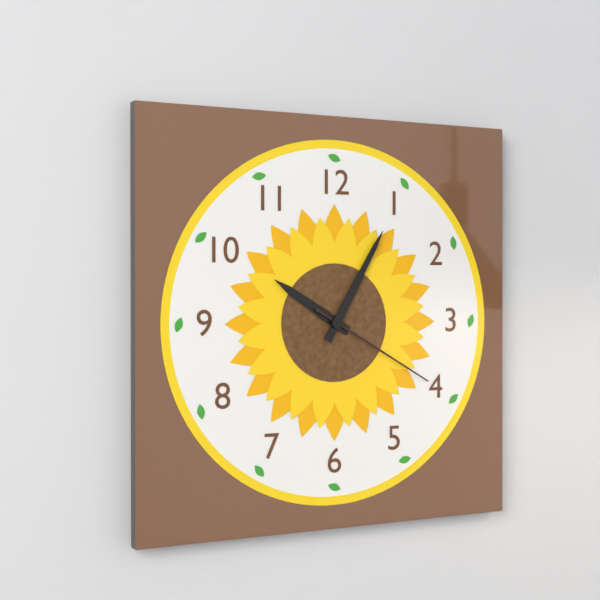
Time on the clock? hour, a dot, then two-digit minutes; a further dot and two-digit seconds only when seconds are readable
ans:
10.05.20
